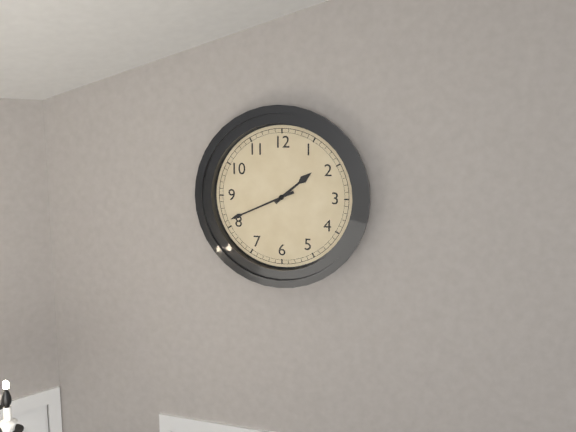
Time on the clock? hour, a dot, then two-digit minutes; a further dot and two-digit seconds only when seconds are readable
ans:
1.41
